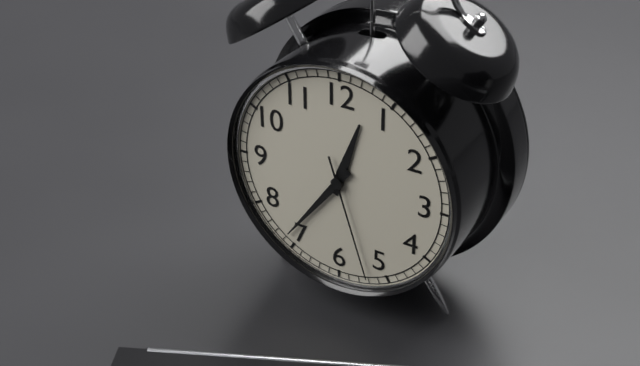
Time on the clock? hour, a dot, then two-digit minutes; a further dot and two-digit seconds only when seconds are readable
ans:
12.36.27
